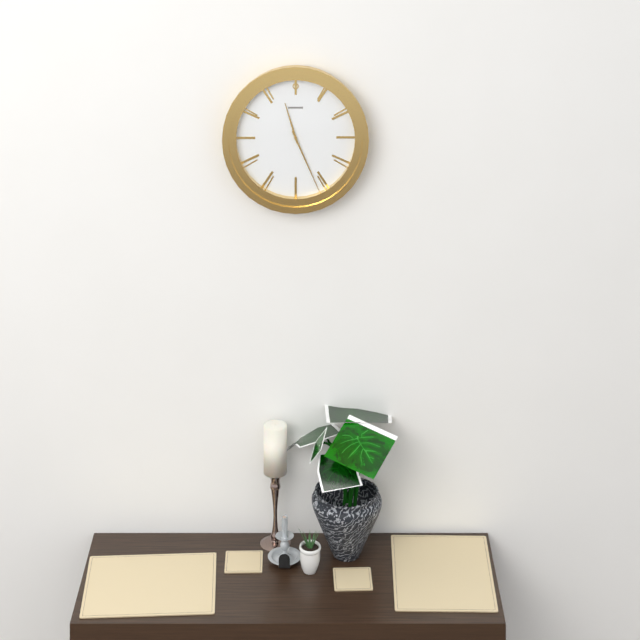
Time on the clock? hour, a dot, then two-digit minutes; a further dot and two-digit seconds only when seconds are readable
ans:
11.26
